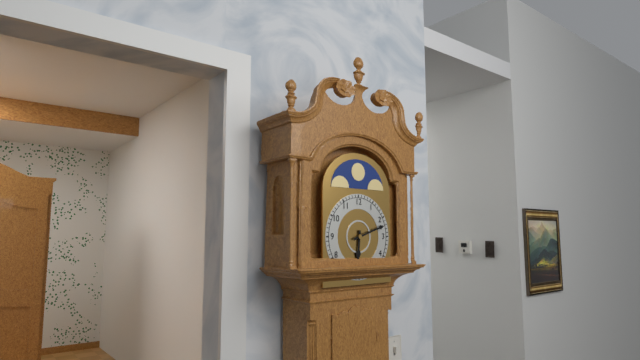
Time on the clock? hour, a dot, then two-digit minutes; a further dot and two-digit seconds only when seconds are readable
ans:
6.12
